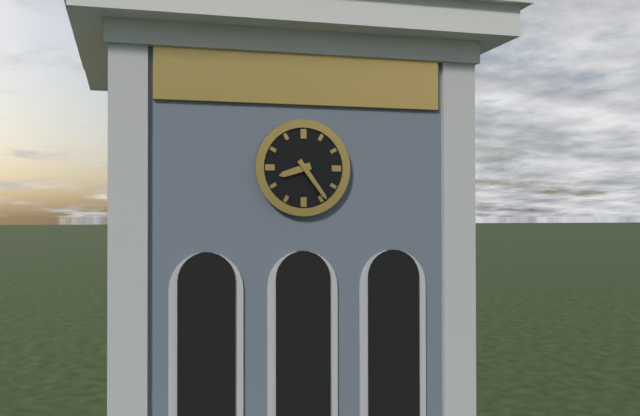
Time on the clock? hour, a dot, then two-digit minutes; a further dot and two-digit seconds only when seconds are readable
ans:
8.24
